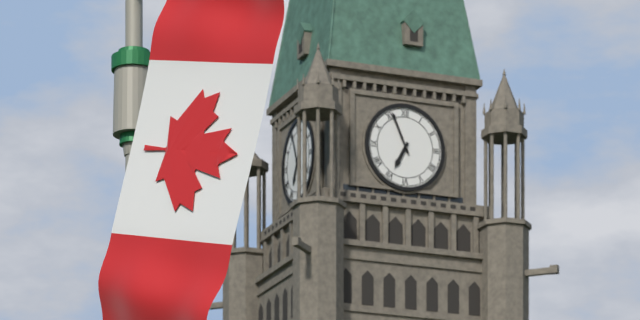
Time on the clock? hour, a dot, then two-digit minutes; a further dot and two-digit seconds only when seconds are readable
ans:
6.56
